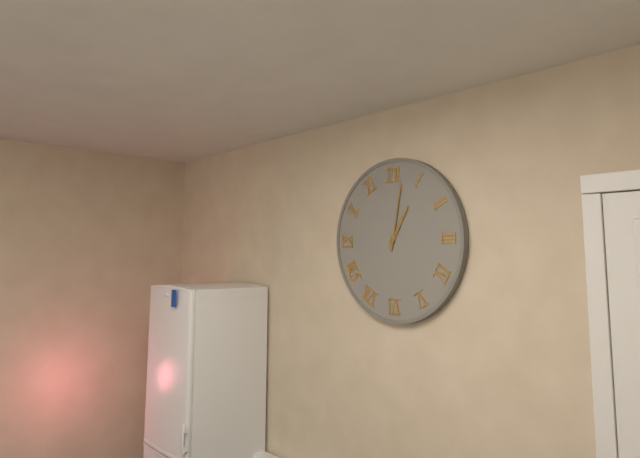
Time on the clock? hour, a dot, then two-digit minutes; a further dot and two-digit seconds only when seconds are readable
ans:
1.02
